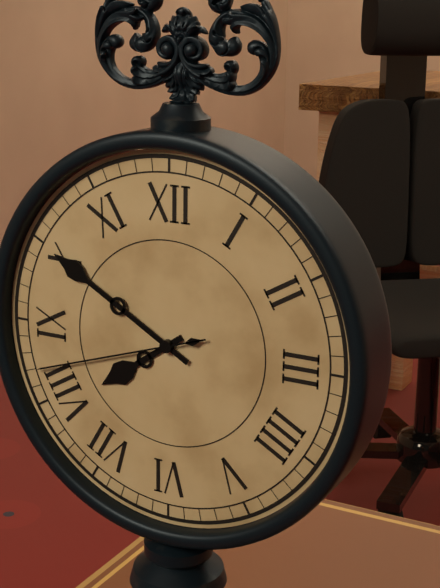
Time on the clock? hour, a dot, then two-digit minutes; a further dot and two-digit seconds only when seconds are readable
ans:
7.50.42
